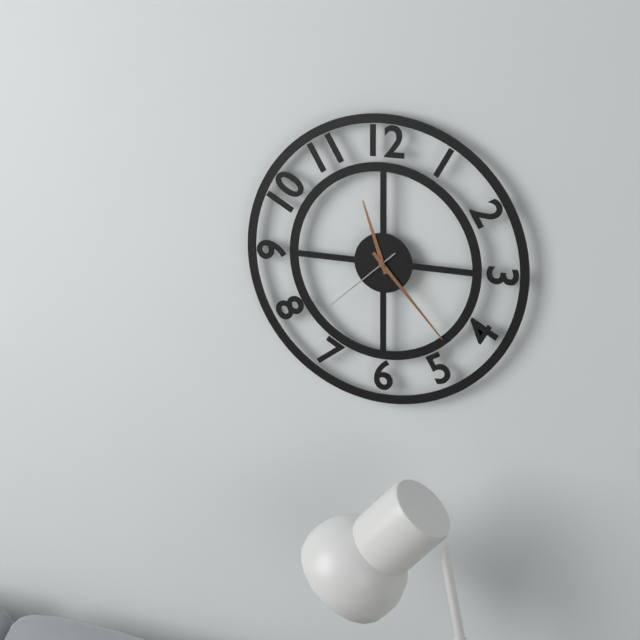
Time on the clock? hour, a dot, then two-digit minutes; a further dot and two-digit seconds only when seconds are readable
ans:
11.23.38
